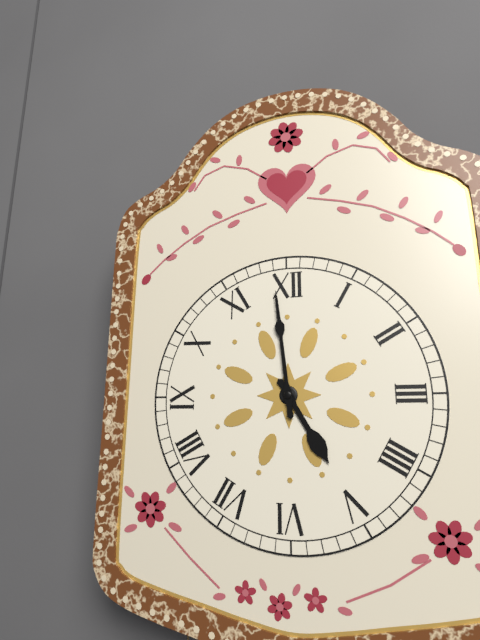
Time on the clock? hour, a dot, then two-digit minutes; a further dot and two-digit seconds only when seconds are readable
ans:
4.59
